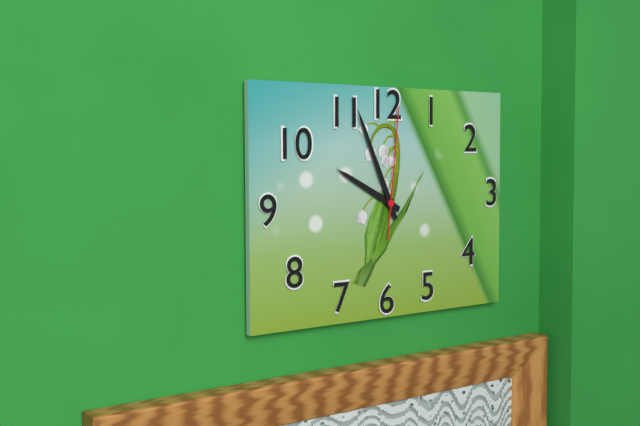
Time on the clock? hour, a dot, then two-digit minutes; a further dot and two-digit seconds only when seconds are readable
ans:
9.56.01
